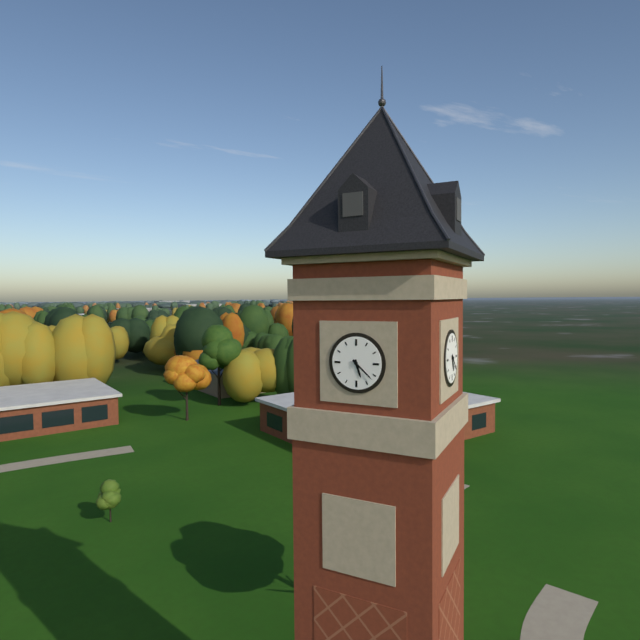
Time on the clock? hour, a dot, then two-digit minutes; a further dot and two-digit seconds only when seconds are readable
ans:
5.22
